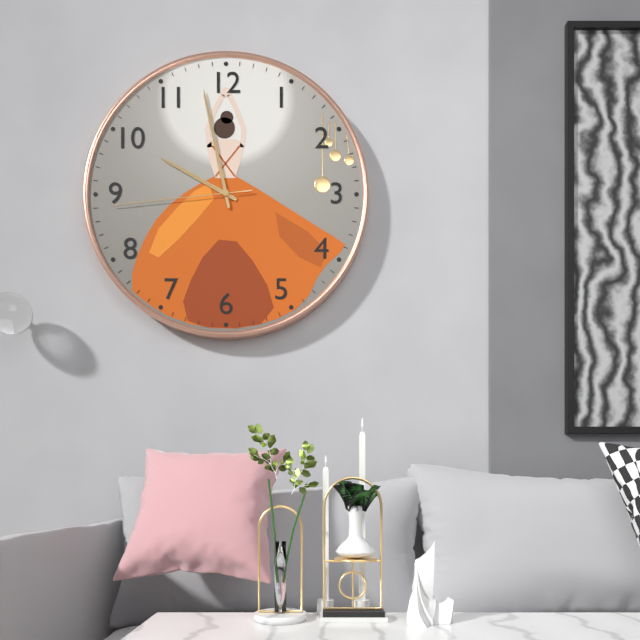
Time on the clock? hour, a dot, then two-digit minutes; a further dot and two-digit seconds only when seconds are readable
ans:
9.58.44
